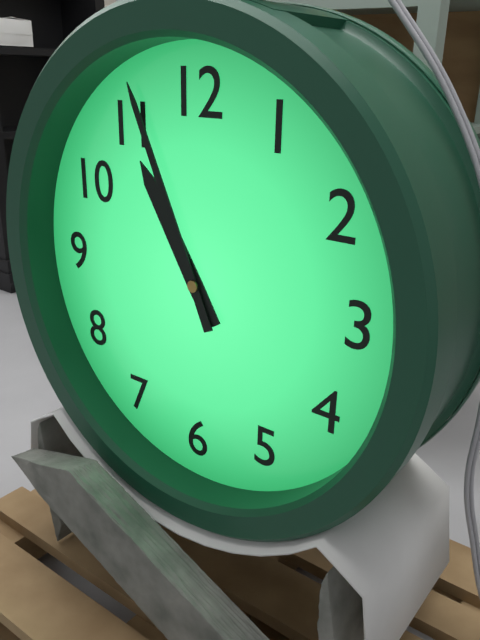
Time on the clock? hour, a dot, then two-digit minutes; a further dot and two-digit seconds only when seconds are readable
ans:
10.56
